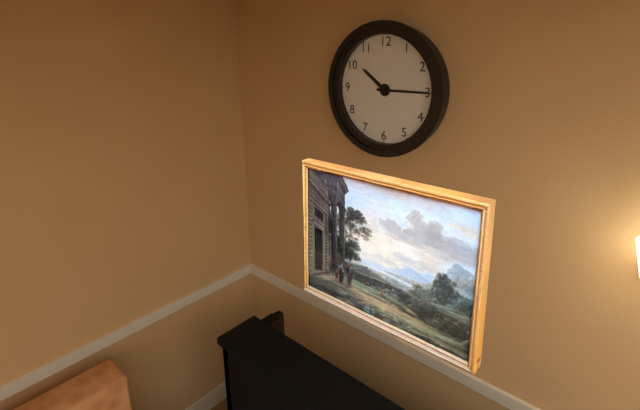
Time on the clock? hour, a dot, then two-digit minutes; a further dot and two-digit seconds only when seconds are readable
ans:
10.15
